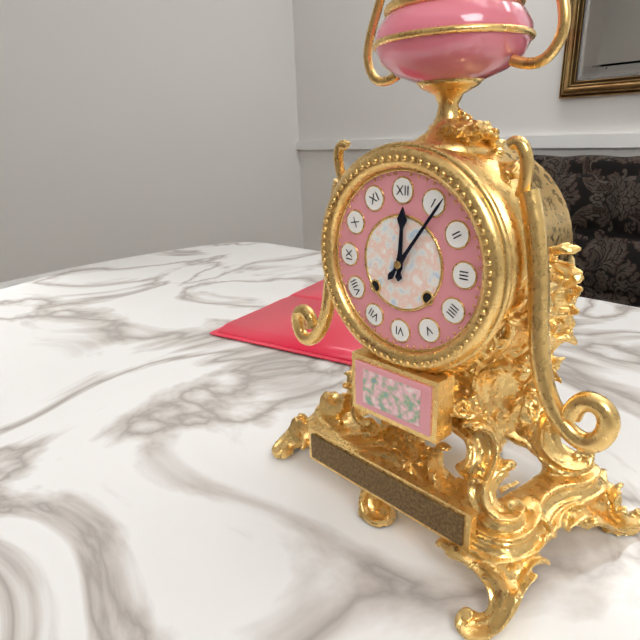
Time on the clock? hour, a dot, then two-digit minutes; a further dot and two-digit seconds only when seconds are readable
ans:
12.06
